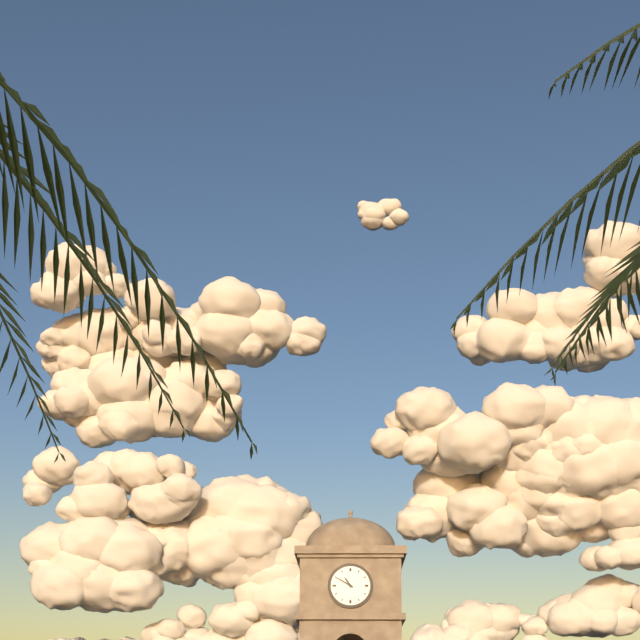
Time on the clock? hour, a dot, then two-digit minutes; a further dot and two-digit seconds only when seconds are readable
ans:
10.50
